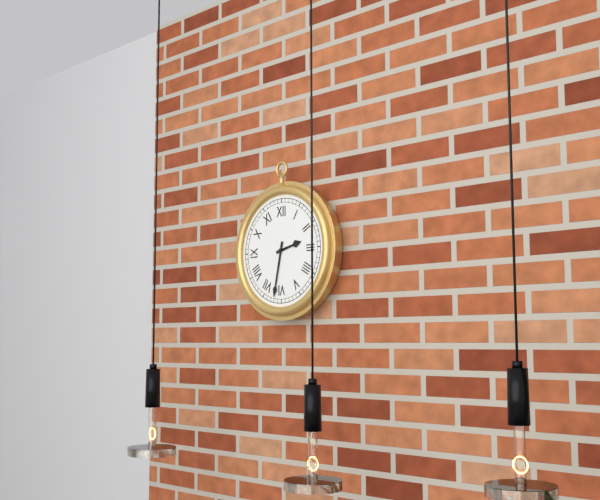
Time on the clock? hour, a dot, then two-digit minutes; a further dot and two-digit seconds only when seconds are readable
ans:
2.32
